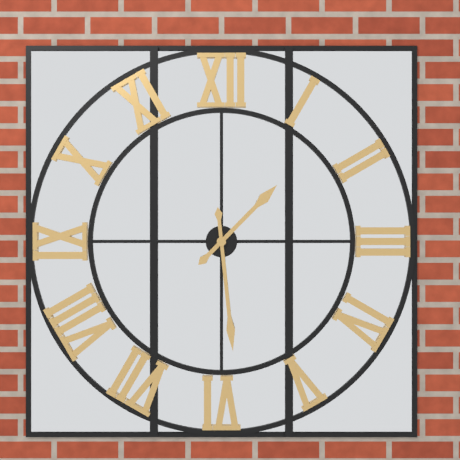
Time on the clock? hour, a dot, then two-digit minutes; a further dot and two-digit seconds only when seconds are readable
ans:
1.29
